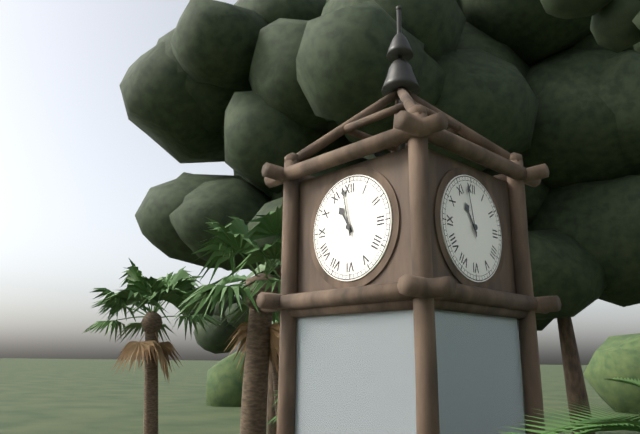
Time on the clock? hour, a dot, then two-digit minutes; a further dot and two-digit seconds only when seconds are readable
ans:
10.58
